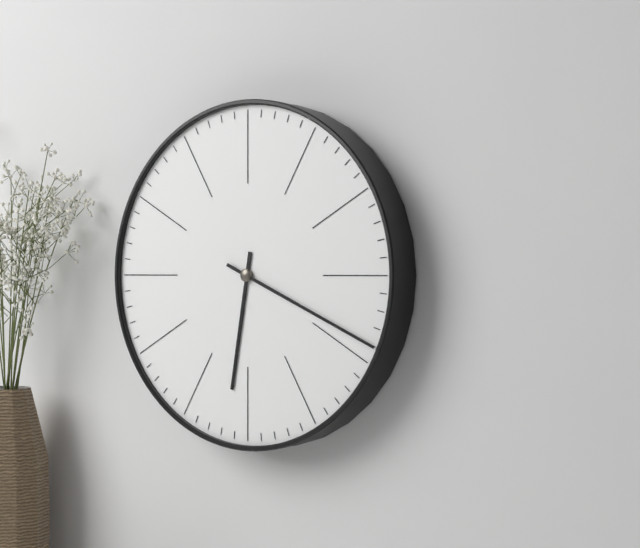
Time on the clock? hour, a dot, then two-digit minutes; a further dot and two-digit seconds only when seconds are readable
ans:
6.19
